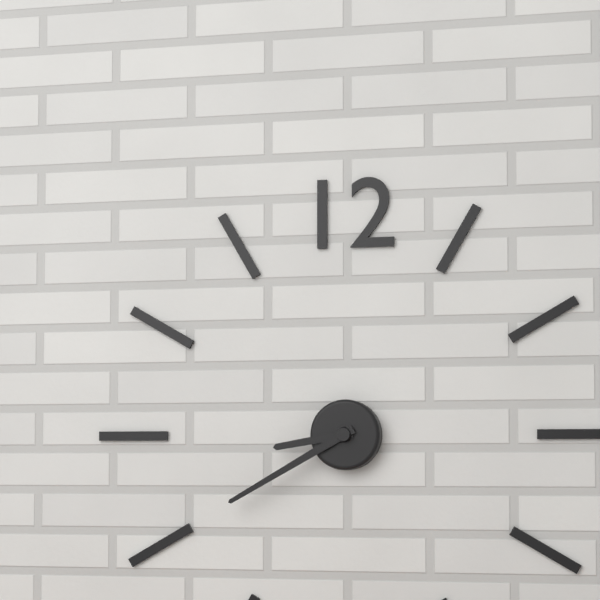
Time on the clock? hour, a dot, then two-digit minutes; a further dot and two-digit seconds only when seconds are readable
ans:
8.40
